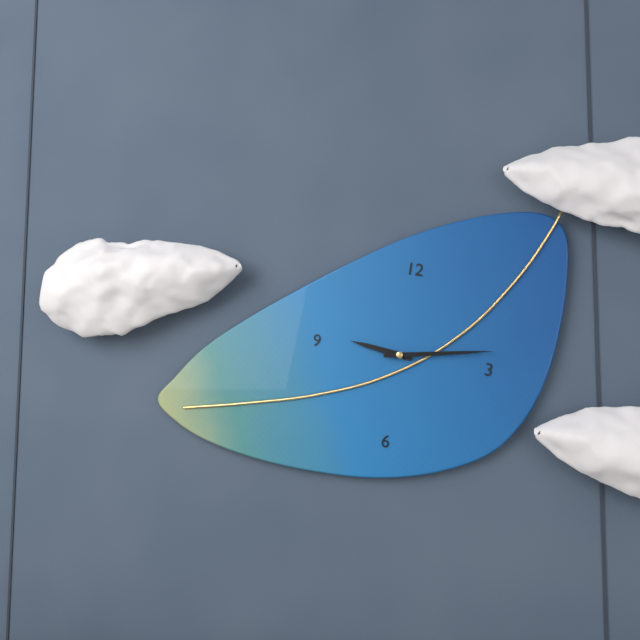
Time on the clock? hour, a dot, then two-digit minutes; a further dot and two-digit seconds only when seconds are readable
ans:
9.13
